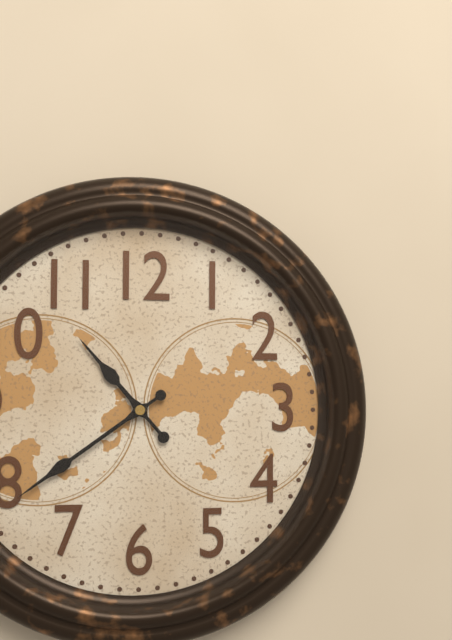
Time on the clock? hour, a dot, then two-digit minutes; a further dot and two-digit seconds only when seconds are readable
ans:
10.39
